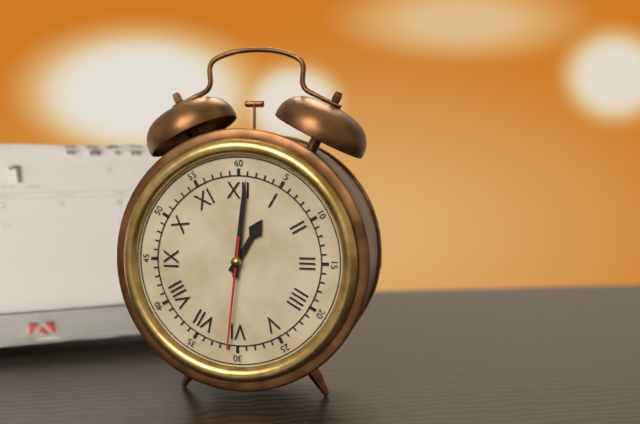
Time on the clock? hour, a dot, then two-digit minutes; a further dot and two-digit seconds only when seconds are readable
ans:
1.01.31
